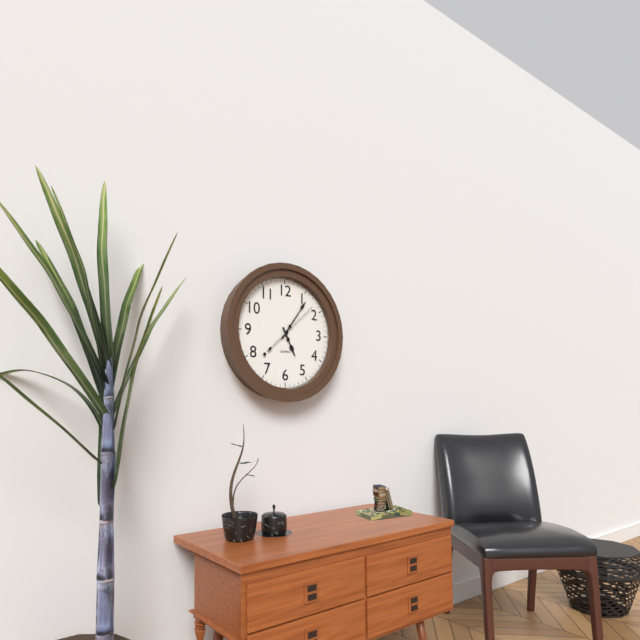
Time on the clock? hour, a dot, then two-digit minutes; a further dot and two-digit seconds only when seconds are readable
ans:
5.06
